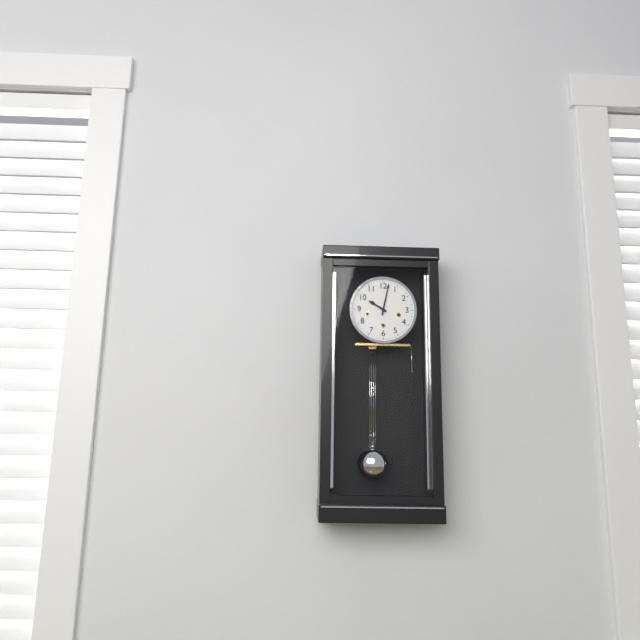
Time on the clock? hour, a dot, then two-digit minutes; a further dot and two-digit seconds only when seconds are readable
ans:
10.02
